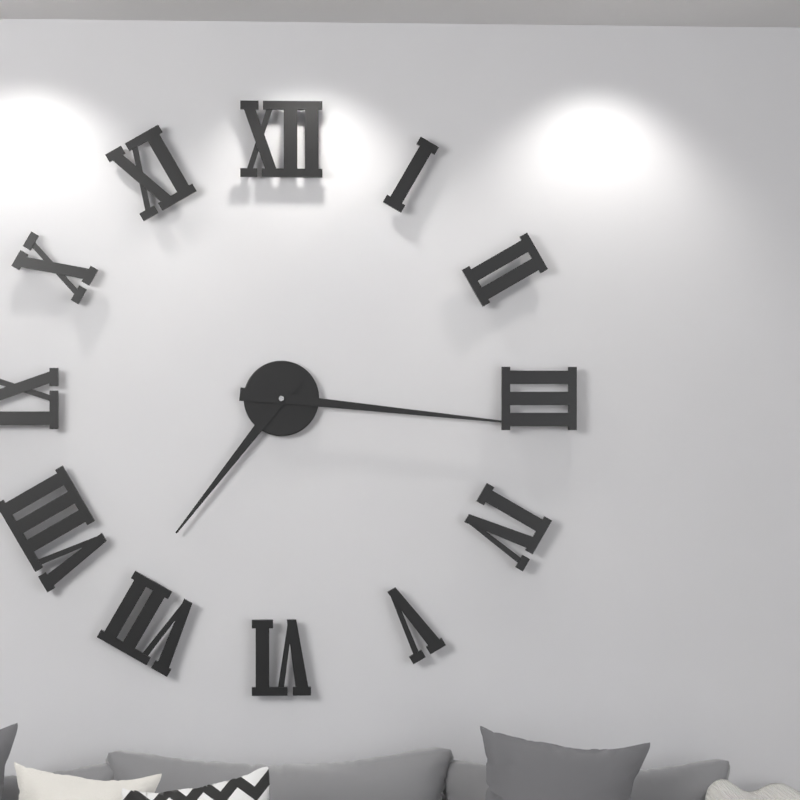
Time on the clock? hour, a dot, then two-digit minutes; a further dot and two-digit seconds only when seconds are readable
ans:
7.16
